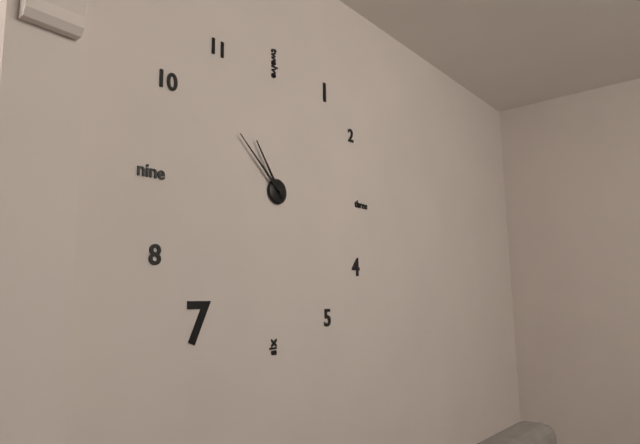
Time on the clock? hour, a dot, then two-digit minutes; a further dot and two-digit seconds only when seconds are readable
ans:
10.52
